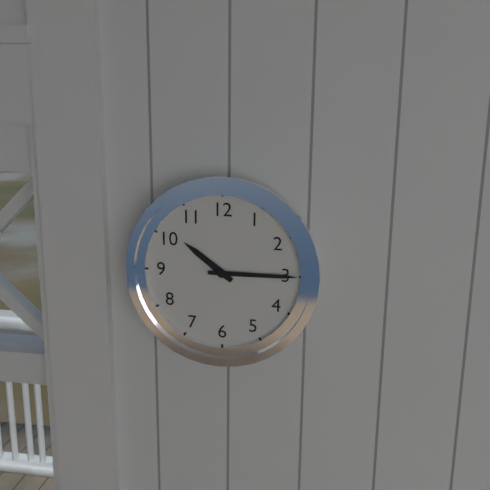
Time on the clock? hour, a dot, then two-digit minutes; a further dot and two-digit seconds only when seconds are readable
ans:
10.15
